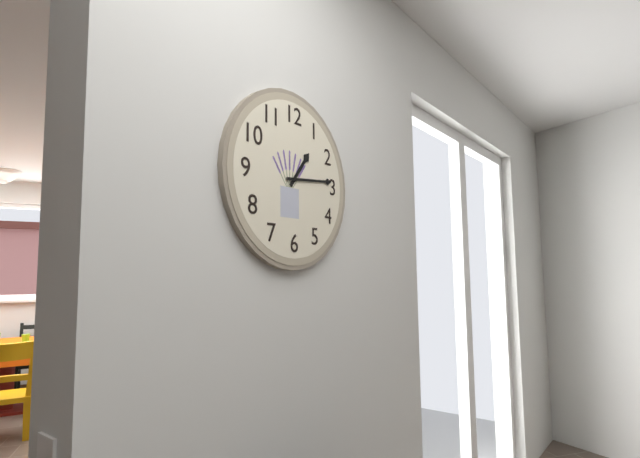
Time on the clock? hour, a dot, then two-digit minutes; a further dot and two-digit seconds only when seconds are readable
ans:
1.14
